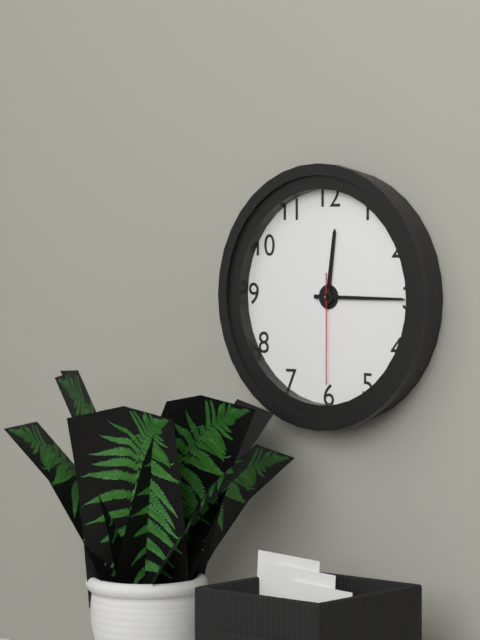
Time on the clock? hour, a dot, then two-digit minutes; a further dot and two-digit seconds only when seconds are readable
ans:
12.15.30
